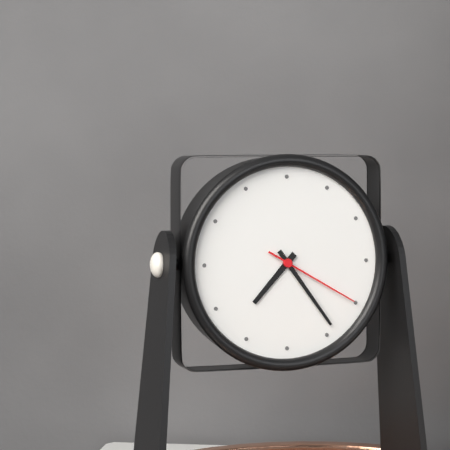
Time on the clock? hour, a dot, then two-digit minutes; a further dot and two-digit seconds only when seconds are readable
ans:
7.24.20
